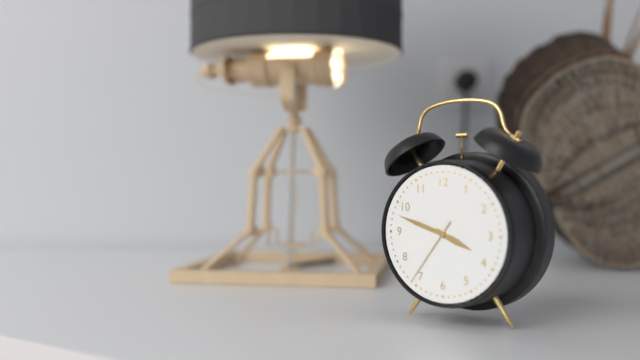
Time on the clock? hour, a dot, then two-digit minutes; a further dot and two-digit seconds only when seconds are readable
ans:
3.48.36
